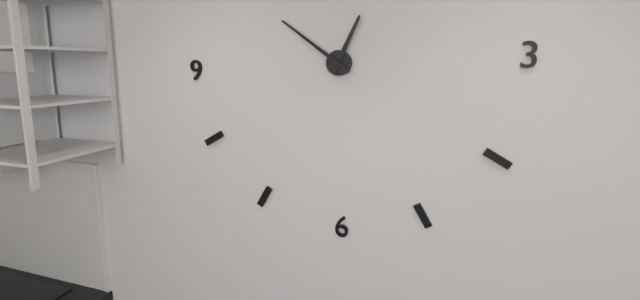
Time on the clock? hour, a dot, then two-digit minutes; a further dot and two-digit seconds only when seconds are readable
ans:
12.51
